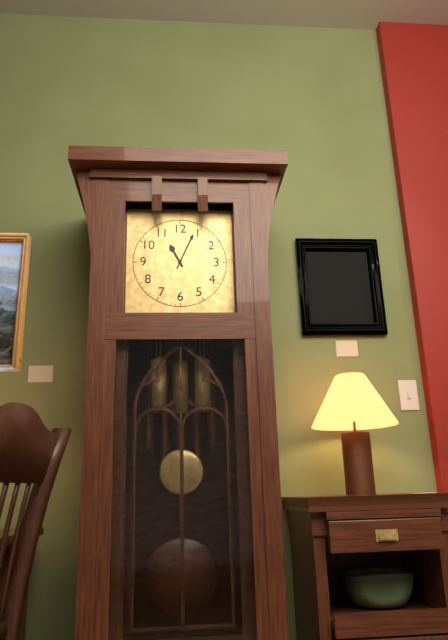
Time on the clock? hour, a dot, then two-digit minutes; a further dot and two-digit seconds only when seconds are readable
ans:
11.04
